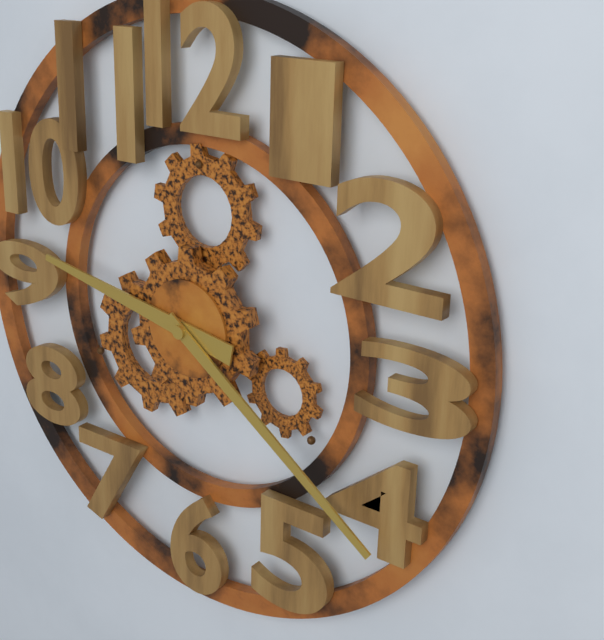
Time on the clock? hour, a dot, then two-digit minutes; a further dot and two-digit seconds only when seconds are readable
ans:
9.21
